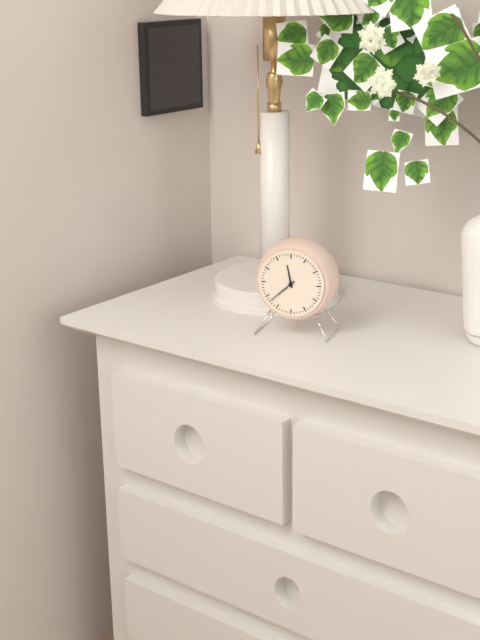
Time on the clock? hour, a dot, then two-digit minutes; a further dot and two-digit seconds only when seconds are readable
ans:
11.38
